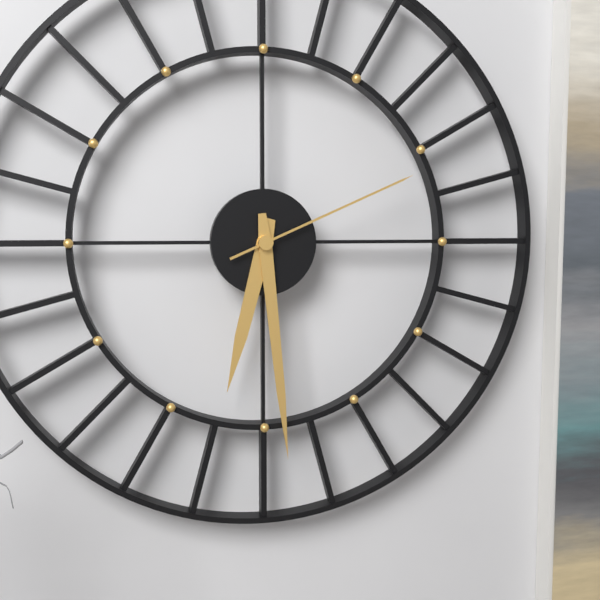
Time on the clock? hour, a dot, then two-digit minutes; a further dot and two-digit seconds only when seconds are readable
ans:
6.29.11
